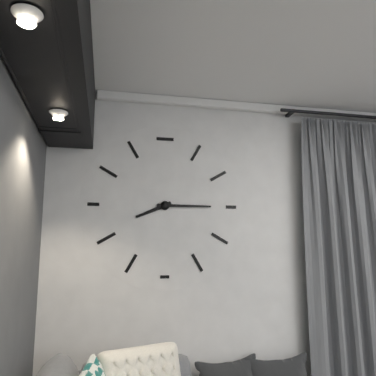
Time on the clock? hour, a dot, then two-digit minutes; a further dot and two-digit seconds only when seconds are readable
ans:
8.15
